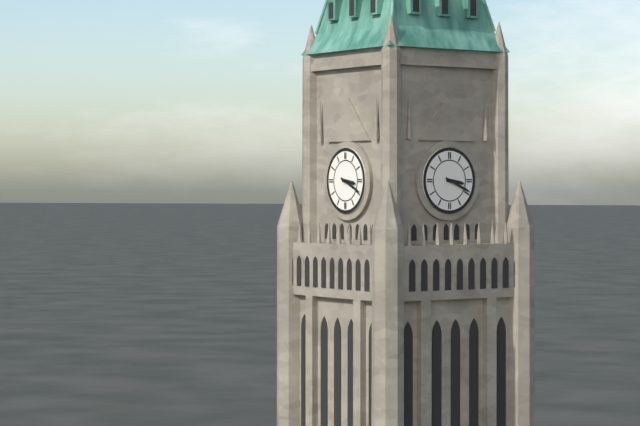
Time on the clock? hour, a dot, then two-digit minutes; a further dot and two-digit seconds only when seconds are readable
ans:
3.19
